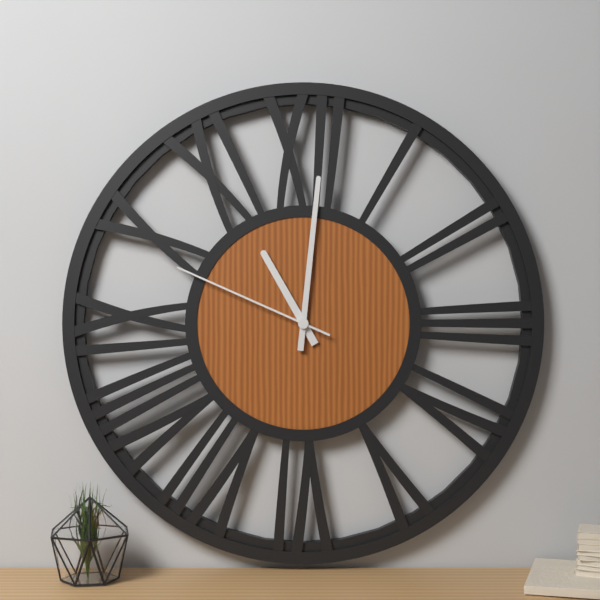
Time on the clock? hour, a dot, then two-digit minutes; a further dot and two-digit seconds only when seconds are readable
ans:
11.01.49
